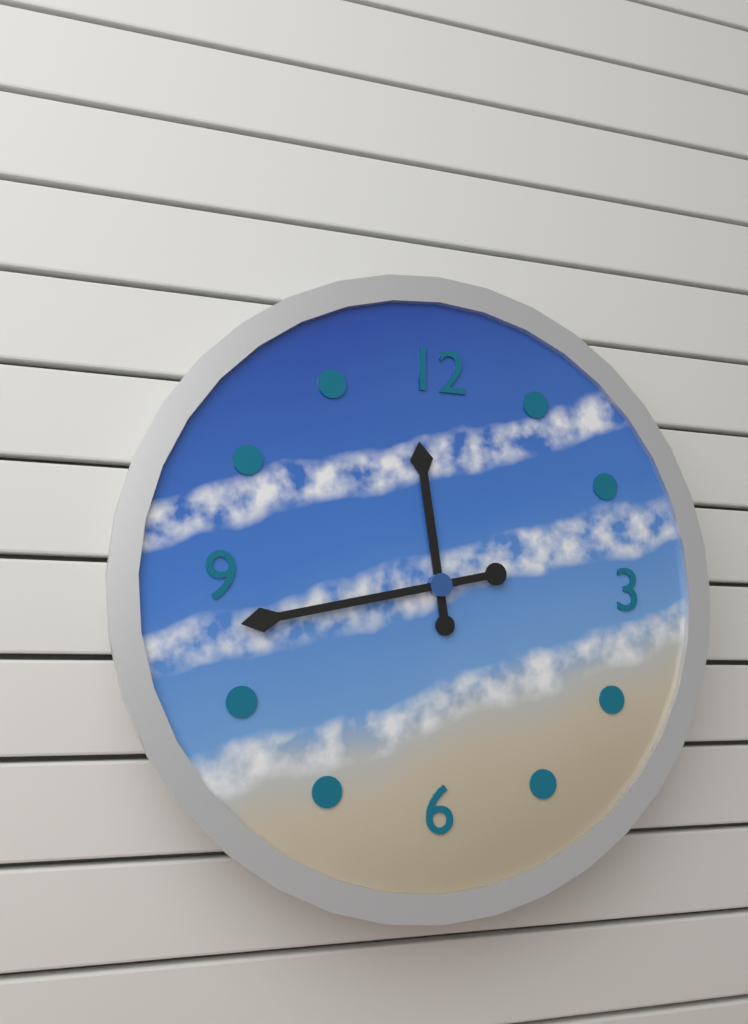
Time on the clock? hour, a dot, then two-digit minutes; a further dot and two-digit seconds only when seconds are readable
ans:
11.43
